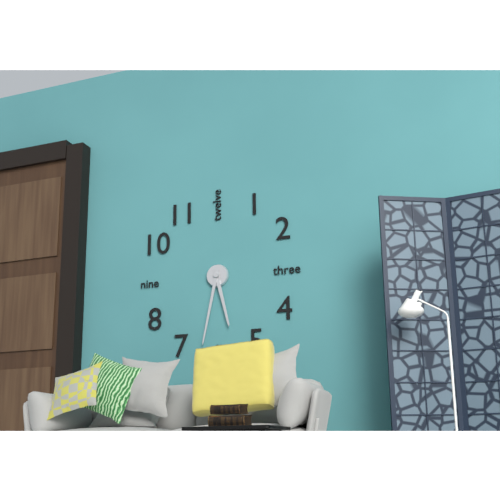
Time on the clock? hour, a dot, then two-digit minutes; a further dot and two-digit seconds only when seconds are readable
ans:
5.32
